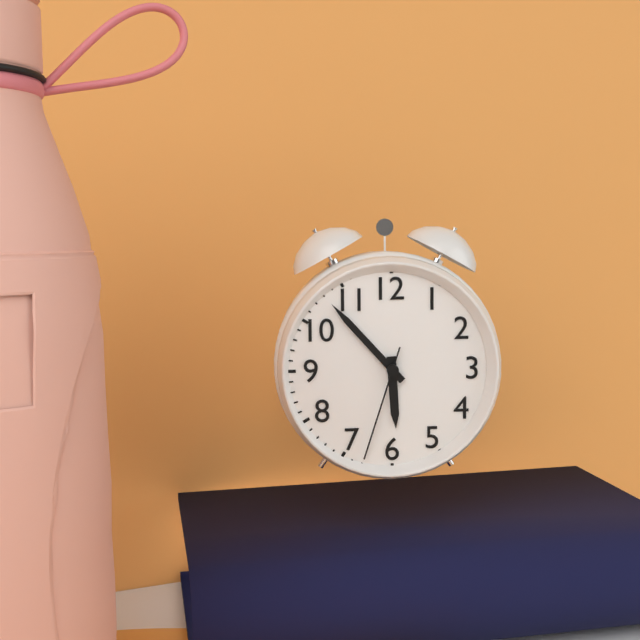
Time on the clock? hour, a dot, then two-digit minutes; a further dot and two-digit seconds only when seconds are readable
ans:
5.53.33
